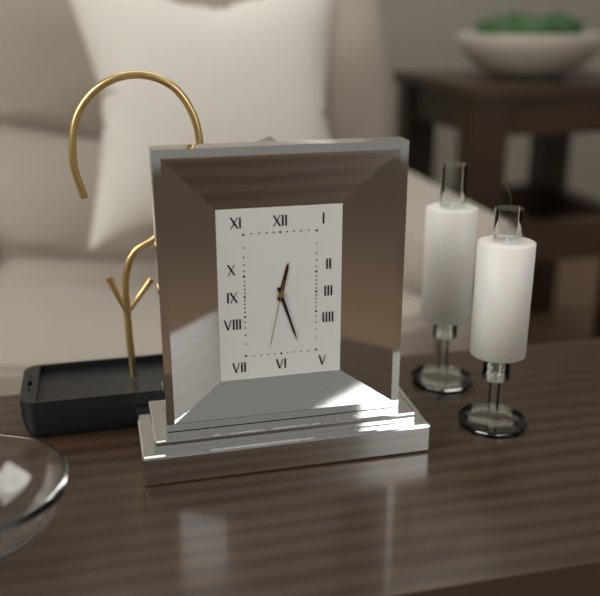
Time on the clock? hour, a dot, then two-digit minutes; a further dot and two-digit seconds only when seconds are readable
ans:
12.27.32
